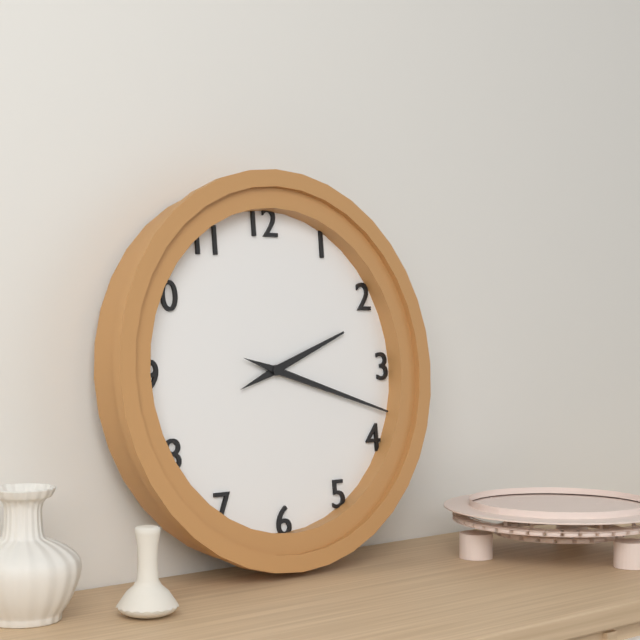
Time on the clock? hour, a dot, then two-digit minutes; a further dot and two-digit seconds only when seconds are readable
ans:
2.18
